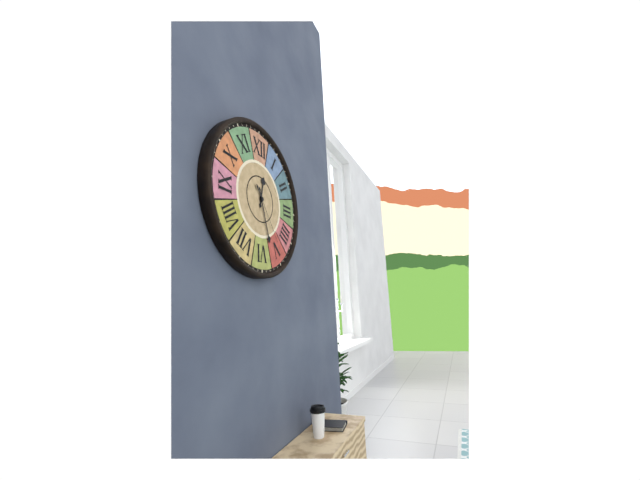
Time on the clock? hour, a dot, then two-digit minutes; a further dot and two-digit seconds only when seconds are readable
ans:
12.27.24
